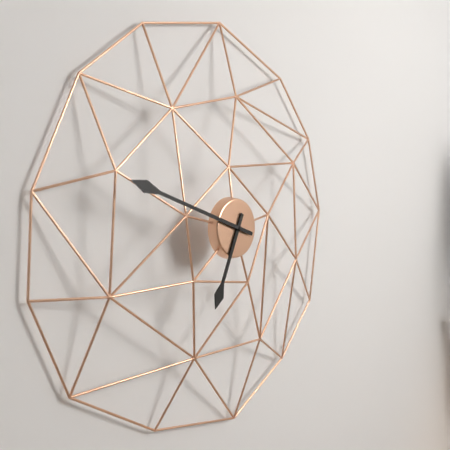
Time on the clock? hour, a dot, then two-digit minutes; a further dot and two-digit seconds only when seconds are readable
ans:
6.48
